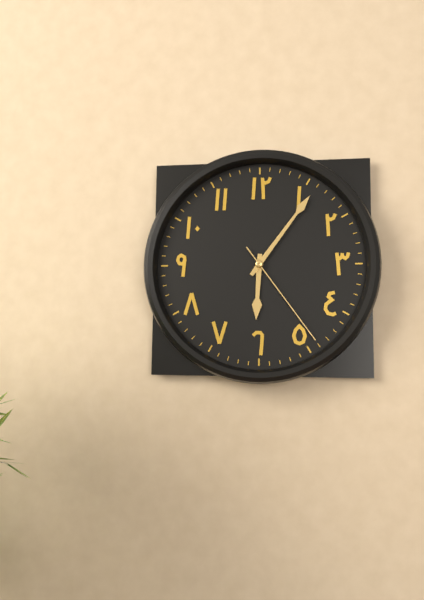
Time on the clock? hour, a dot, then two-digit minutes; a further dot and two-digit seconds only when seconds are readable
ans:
6.06.24
